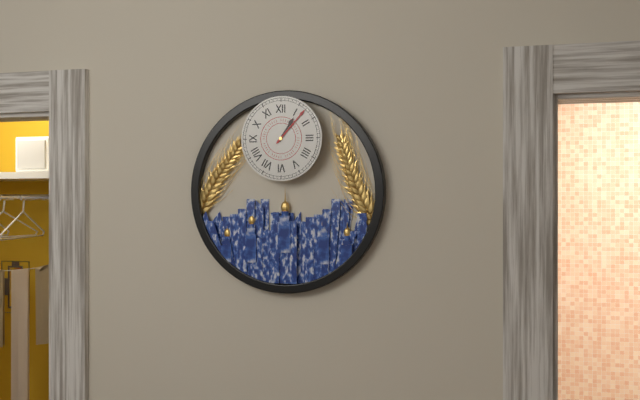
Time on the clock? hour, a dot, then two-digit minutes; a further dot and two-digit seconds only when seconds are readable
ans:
1.07
